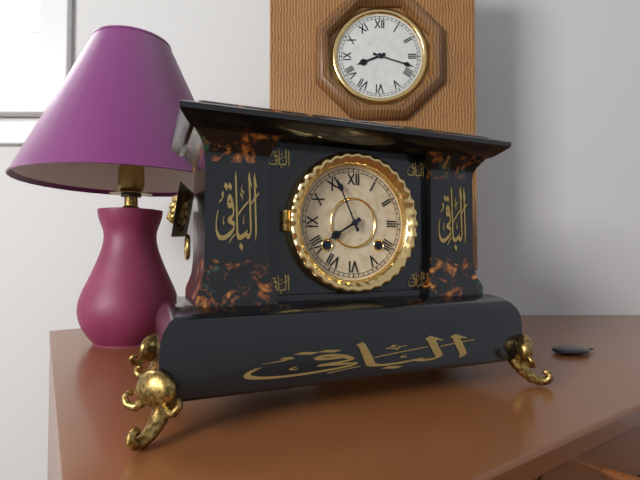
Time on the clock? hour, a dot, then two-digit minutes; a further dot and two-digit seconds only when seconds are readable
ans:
7.56
